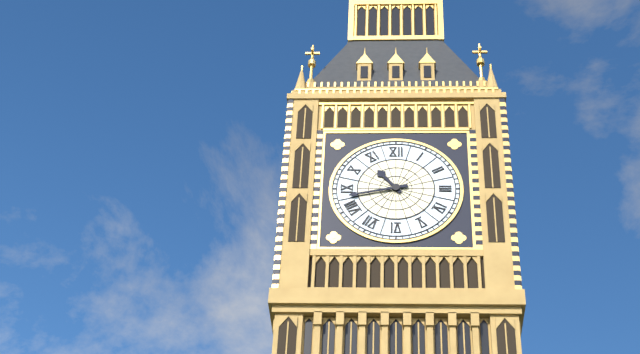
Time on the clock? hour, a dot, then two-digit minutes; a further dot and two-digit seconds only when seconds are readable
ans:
10.43
